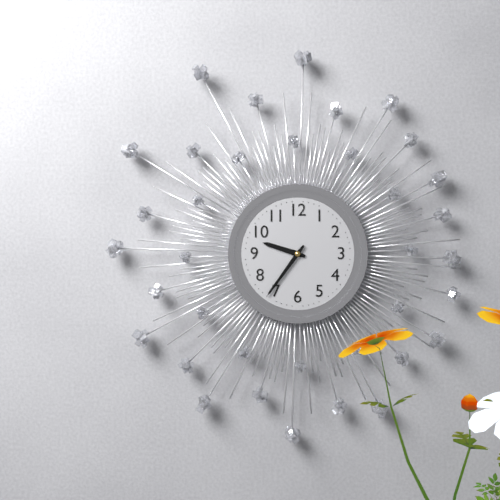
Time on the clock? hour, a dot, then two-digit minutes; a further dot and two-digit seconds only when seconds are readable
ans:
9.36
